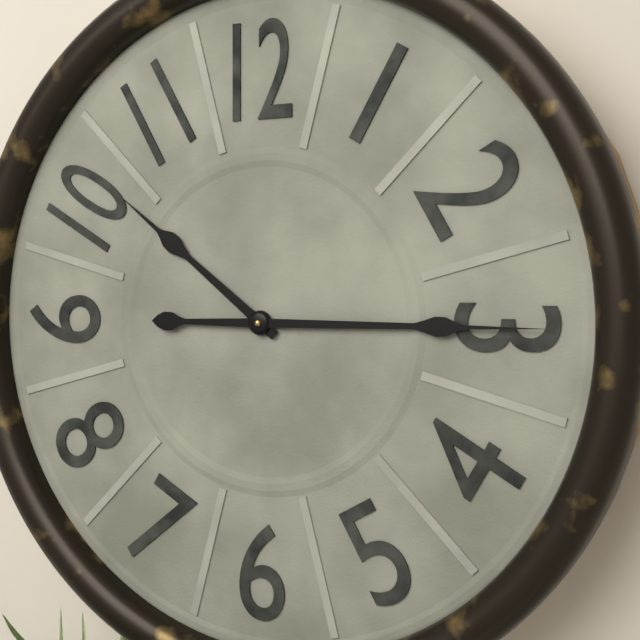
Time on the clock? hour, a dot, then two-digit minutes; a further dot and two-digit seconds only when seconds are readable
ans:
10.15
